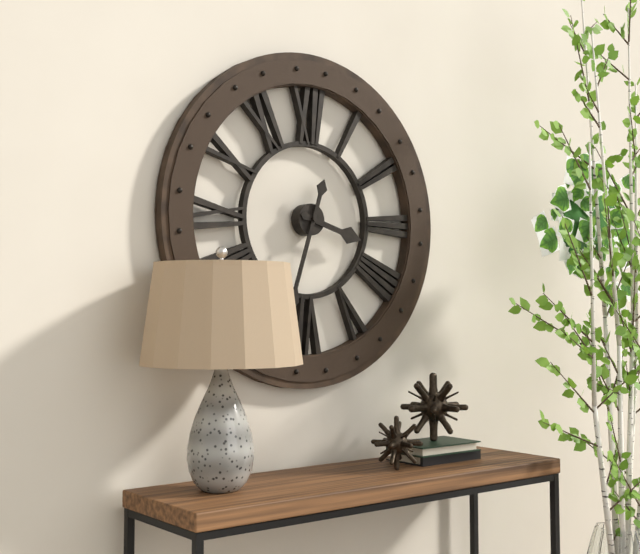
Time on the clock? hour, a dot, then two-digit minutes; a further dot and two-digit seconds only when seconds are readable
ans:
3.33
